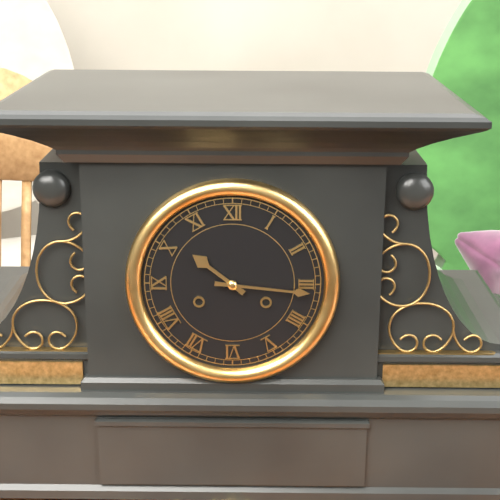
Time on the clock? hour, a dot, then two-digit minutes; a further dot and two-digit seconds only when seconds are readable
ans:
10.16
